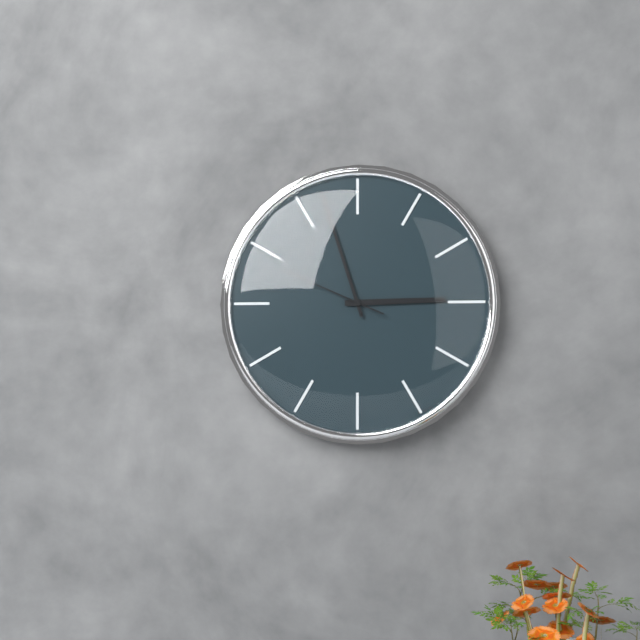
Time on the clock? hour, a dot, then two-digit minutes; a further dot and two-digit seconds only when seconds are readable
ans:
2.57.49
